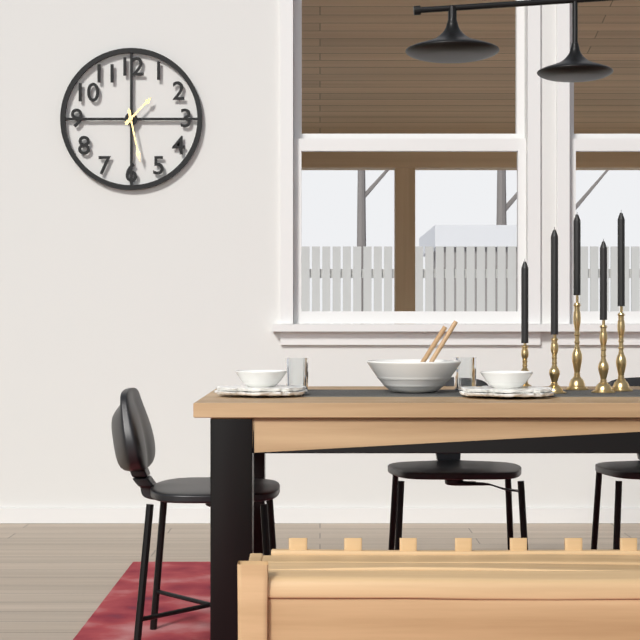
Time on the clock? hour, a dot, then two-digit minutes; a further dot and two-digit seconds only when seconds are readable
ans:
1.28
